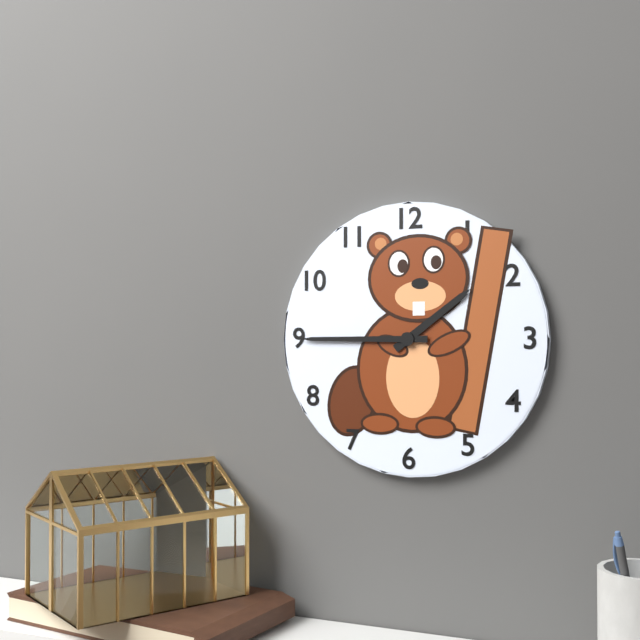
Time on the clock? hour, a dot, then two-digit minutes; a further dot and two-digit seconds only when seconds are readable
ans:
1.45
